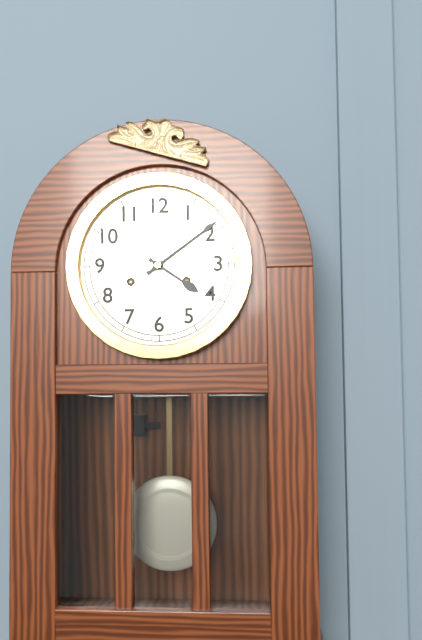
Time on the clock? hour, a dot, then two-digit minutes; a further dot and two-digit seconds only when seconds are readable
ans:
4.09
